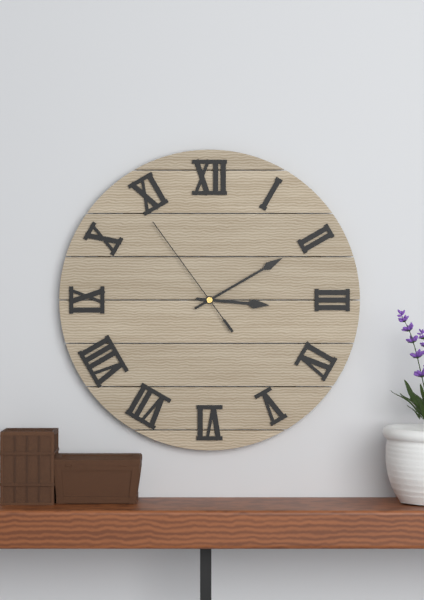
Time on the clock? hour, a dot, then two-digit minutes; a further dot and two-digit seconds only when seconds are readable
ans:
3.10.54
